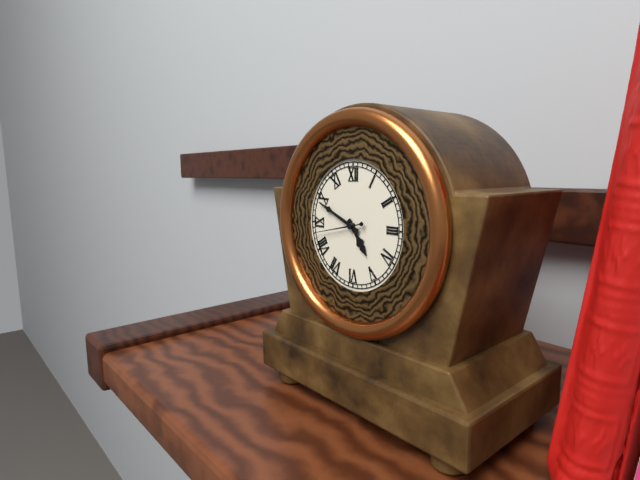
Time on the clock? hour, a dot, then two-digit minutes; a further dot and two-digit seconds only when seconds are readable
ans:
4.49.43
